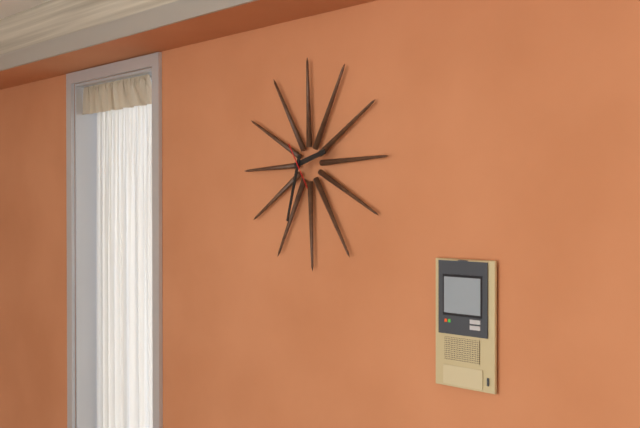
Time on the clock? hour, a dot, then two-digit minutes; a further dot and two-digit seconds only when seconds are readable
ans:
2.33
